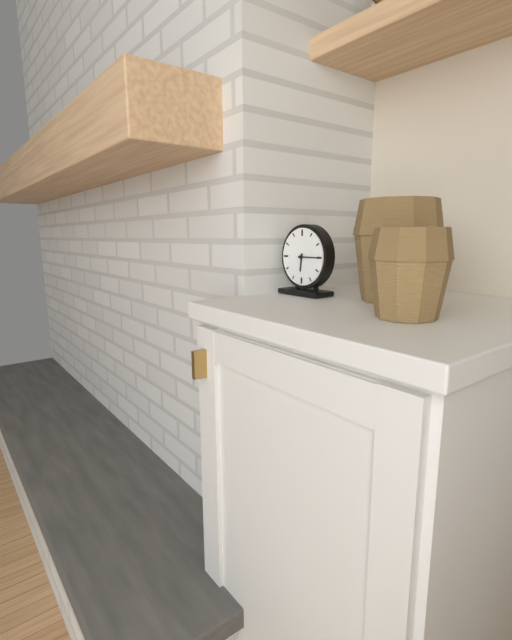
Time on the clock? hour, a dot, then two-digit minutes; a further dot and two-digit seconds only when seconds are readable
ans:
6.15
